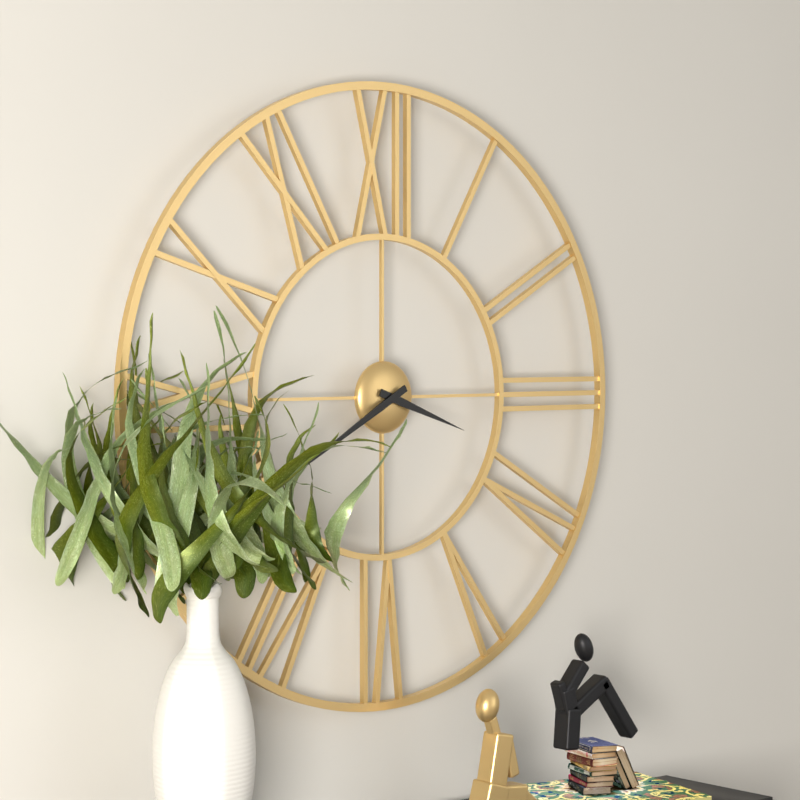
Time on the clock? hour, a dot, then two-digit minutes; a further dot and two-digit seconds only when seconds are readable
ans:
3.40
